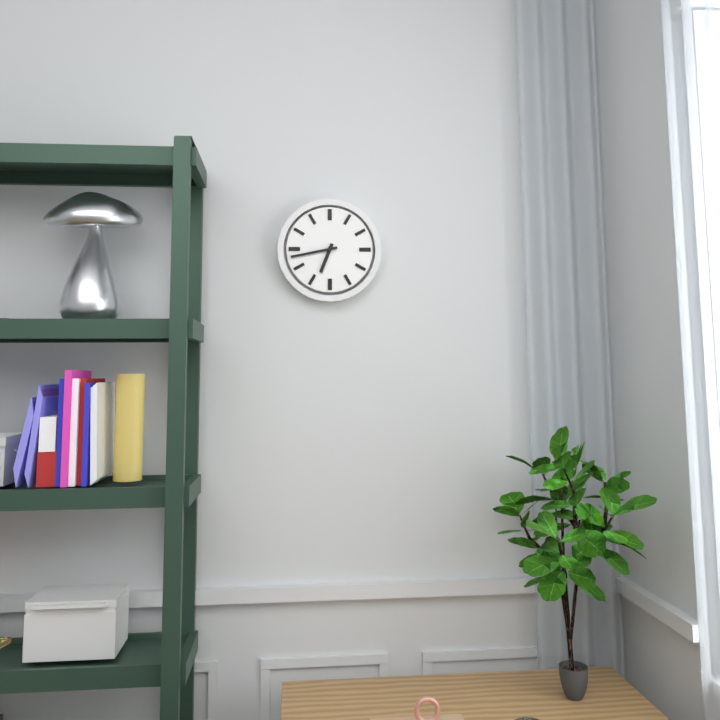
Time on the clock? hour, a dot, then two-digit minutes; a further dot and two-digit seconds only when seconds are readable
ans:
6.43
